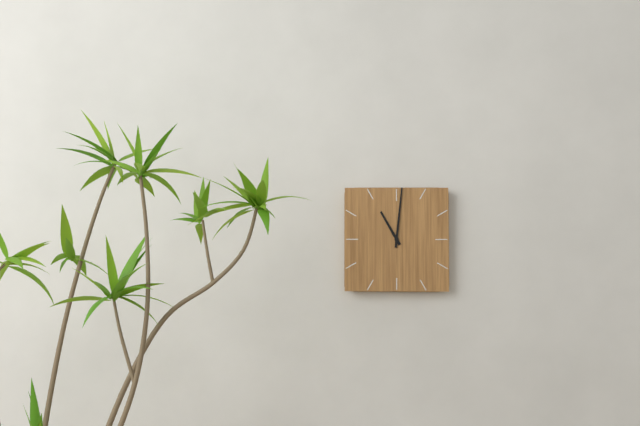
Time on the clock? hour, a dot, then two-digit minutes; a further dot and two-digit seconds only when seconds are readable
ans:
11.01
